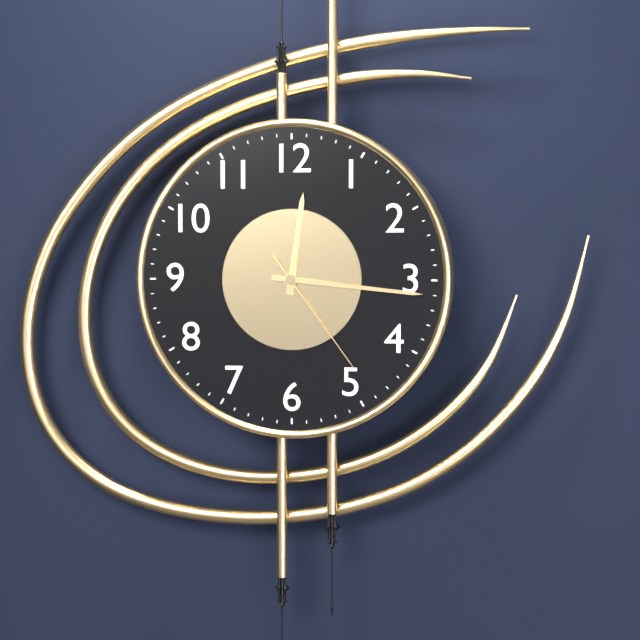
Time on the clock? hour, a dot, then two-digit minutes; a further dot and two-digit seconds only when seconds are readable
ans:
12.16.24
